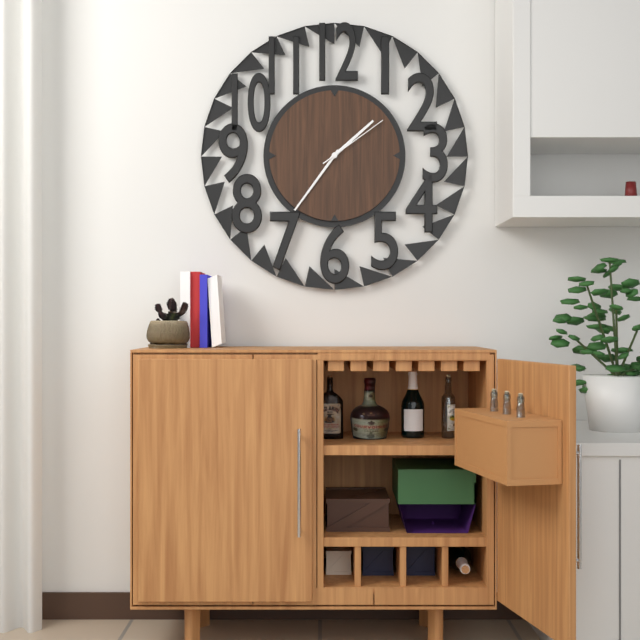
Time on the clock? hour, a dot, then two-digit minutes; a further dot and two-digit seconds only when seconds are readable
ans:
1.36.09
